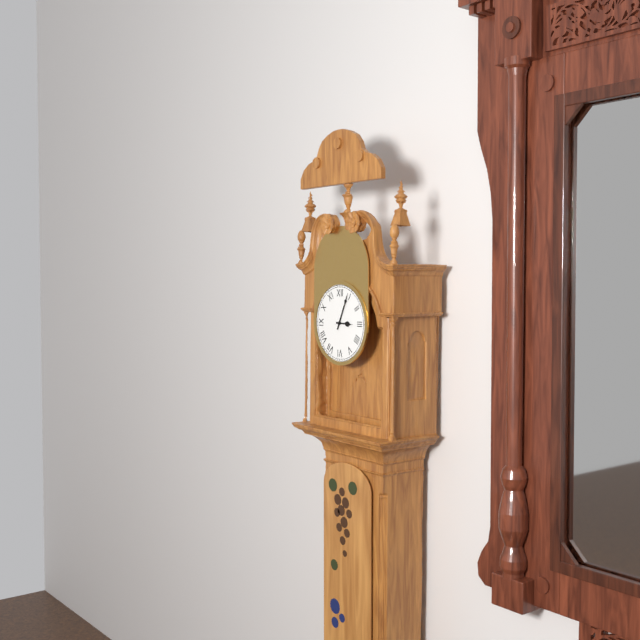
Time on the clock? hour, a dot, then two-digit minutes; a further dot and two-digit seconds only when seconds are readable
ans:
3.04
